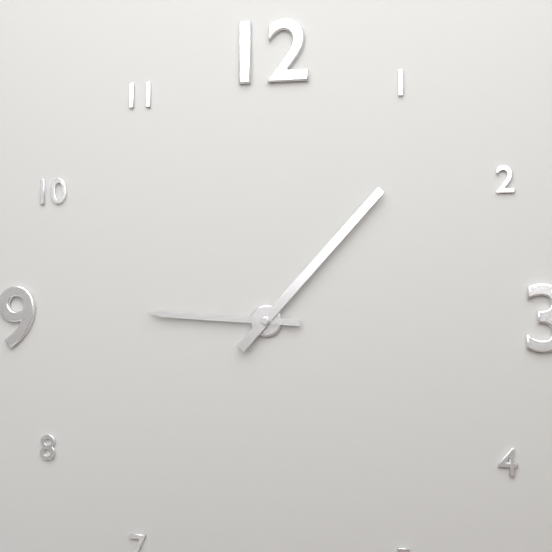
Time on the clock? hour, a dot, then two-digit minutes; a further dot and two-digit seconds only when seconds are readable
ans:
9.07
